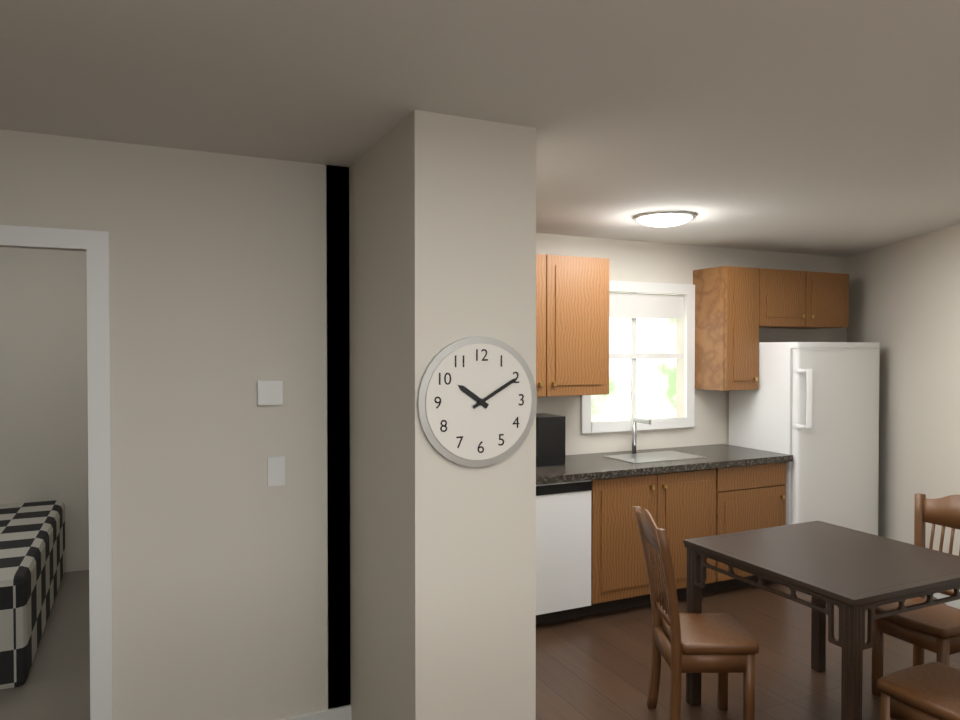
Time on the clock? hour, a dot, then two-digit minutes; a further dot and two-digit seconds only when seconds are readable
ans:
10.10
